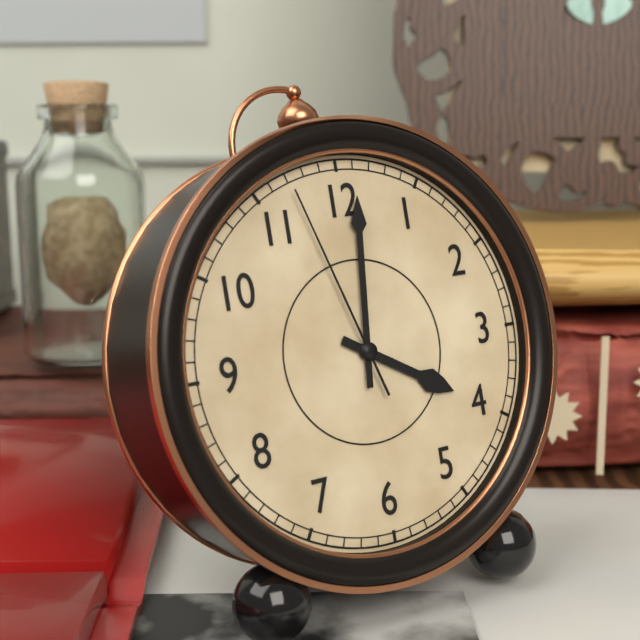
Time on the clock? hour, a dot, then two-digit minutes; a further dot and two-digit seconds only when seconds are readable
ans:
4.01.57
